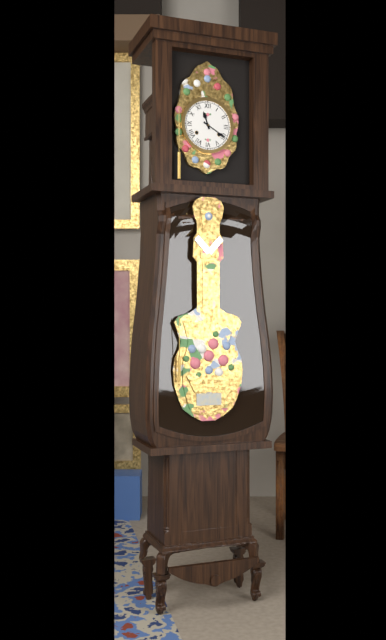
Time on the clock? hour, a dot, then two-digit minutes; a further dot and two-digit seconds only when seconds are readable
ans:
11.20
